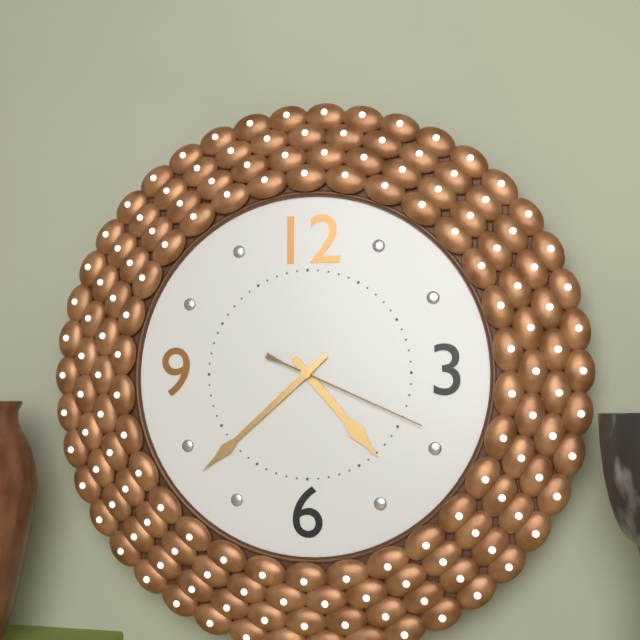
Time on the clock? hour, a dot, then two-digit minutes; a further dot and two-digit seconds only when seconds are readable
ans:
4.38.19
